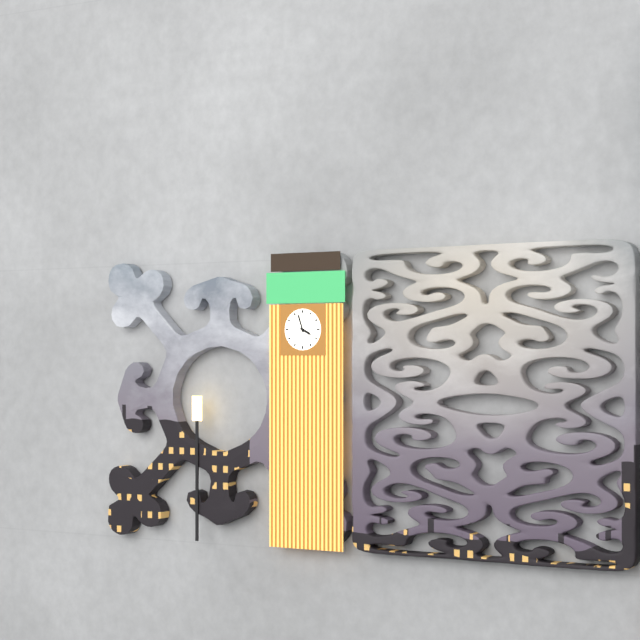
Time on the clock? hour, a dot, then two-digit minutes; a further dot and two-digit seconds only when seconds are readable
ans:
3.57
